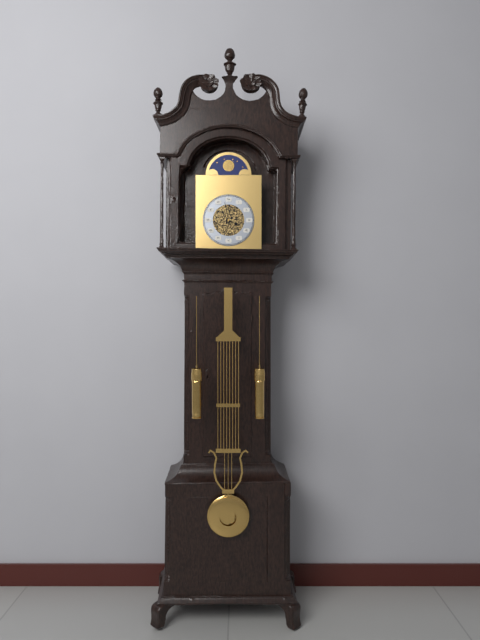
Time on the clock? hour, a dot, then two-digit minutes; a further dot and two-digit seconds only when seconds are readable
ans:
3.58
